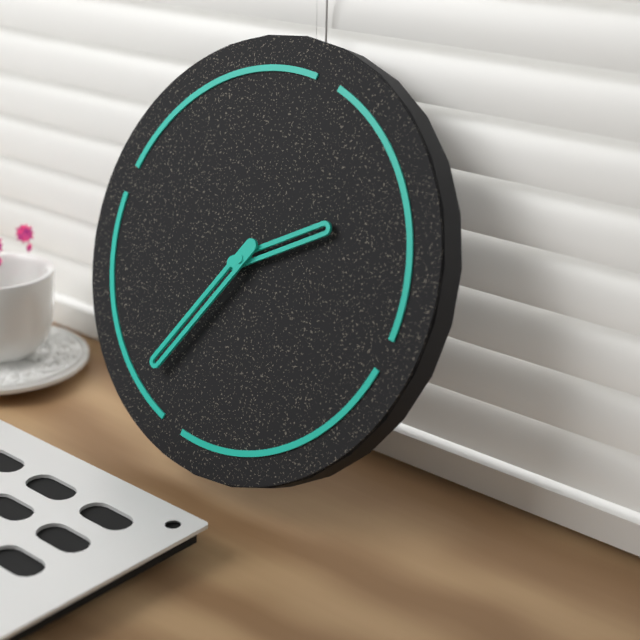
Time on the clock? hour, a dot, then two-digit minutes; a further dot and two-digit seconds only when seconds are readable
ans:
1.33
